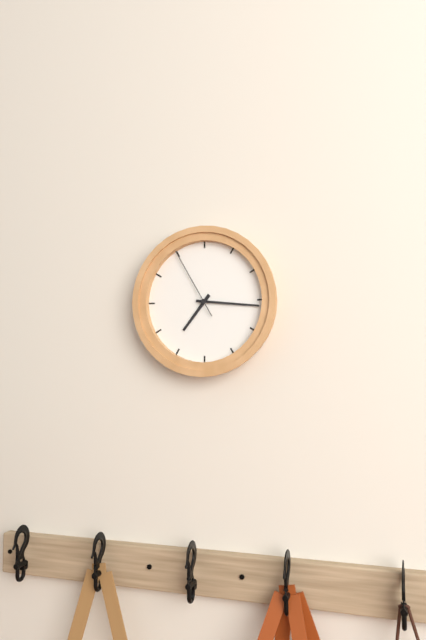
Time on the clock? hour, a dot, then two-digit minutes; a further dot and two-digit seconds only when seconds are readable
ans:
7.16.55
